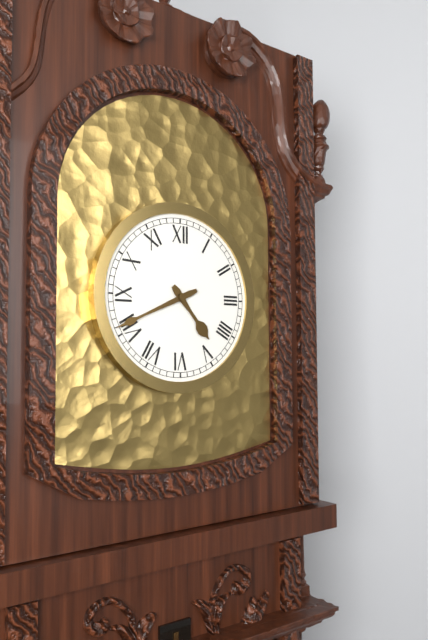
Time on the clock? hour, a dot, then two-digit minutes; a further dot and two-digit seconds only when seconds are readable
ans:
4.41
